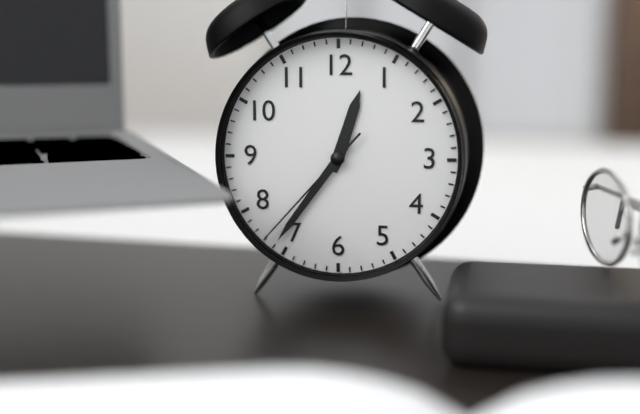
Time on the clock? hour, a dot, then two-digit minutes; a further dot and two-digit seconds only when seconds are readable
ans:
12.36.37
